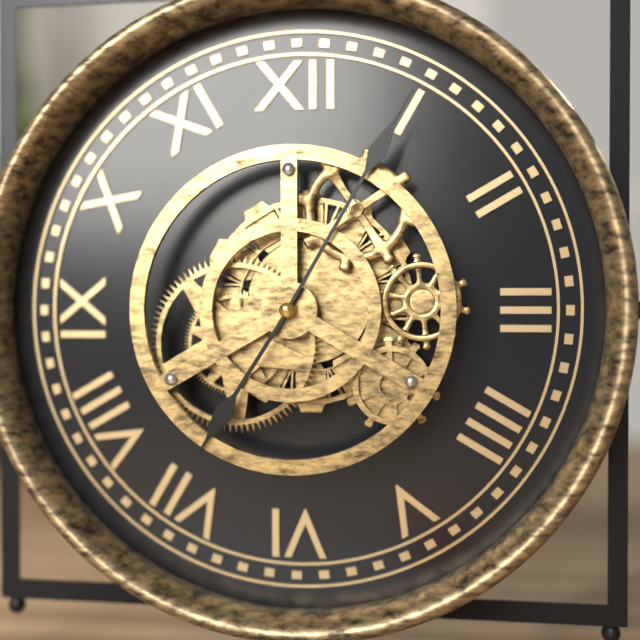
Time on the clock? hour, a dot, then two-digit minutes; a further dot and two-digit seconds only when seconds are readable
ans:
7.05
